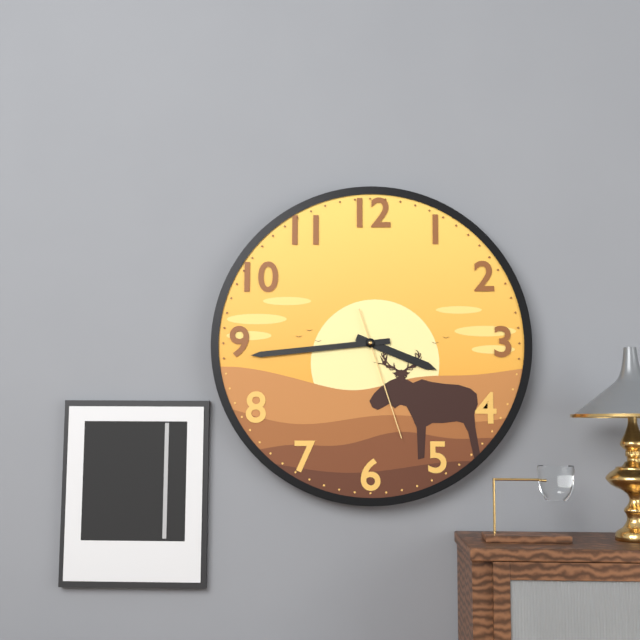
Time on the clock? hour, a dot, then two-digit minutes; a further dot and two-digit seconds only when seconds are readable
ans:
3.44.27
